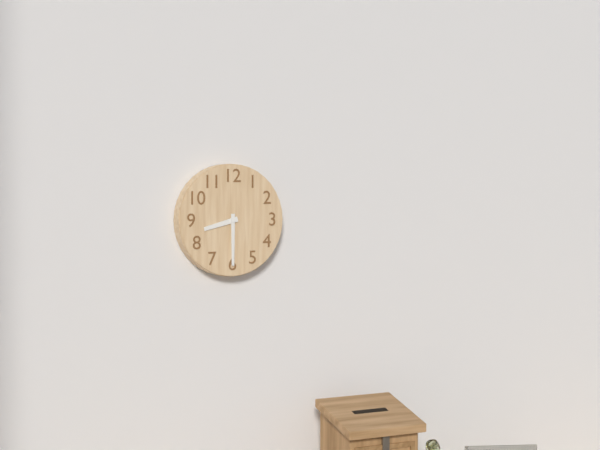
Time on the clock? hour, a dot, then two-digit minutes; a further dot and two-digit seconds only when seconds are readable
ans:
8.30
